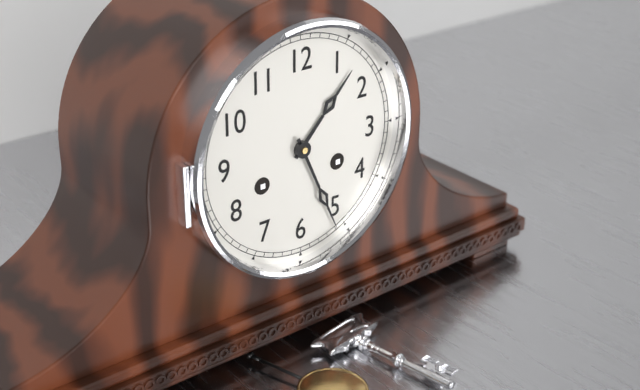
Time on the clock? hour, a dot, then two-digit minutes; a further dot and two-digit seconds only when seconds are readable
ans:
1.26
